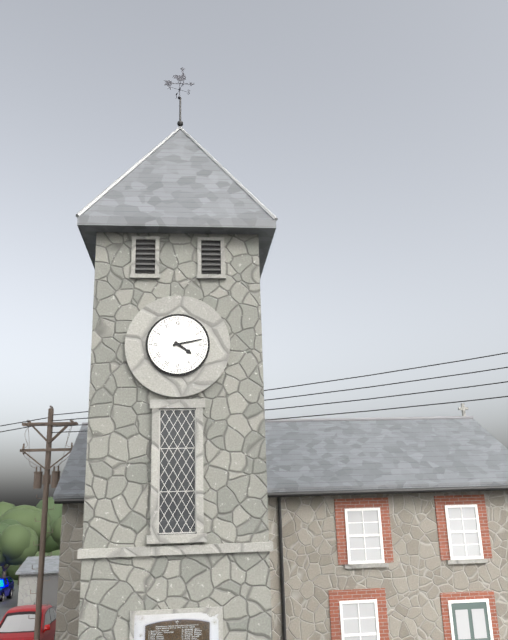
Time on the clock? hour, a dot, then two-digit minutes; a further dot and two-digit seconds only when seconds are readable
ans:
4.13
